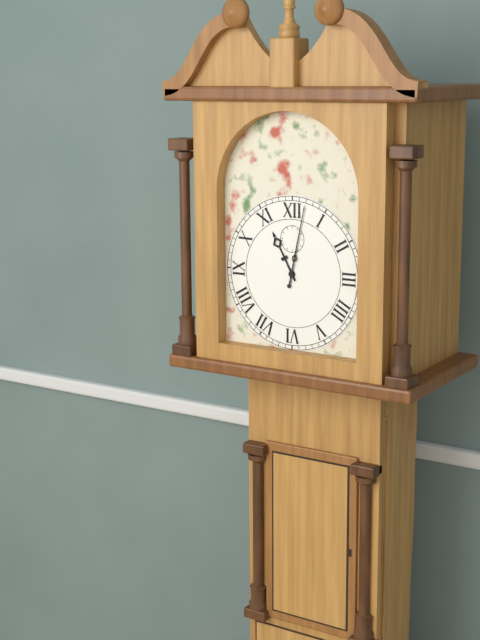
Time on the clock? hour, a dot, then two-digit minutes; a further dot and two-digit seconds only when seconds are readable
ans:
11.02
